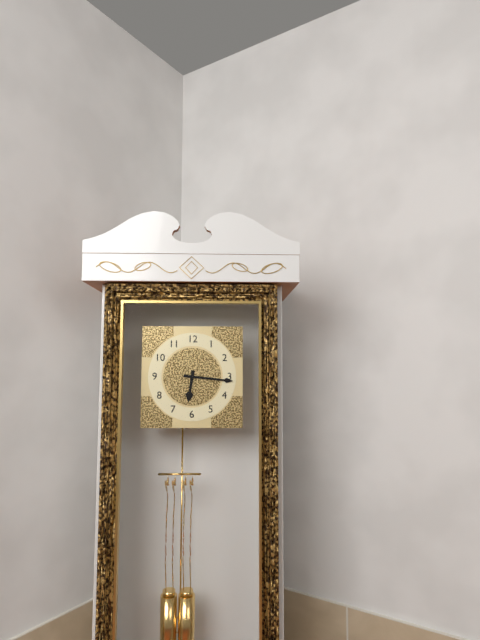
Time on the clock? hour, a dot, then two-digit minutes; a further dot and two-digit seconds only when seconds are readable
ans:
6.16
